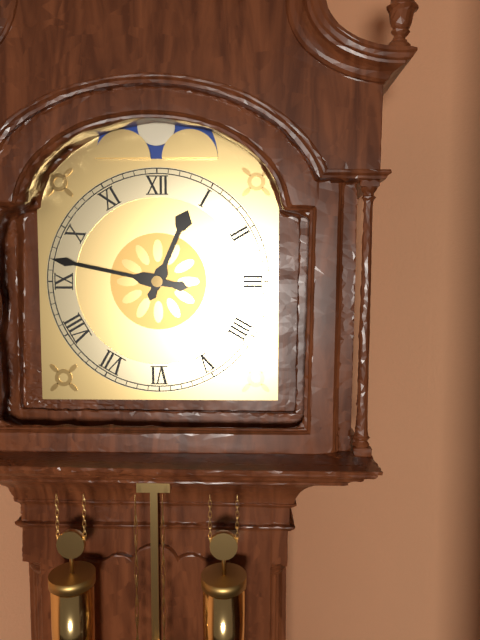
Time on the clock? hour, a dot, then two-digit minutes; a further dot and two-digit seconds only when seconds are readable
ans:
12.47
